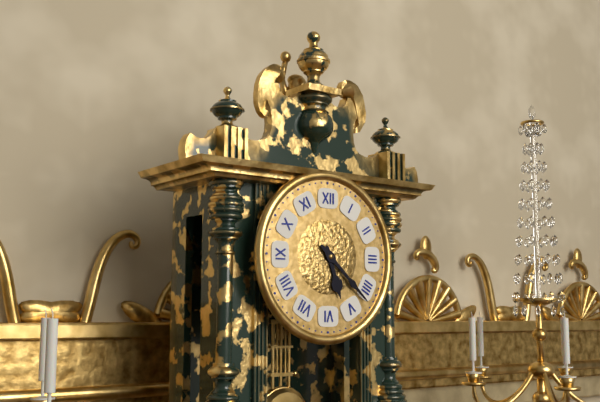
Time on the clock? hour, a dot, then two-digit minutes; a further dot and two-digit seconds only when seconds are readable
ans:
5.22
